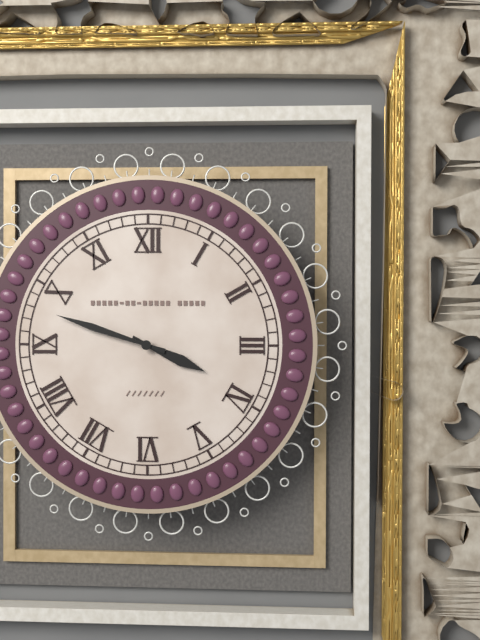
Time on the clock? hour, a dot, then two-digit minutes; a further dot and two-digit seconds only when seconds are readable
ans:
3.48
